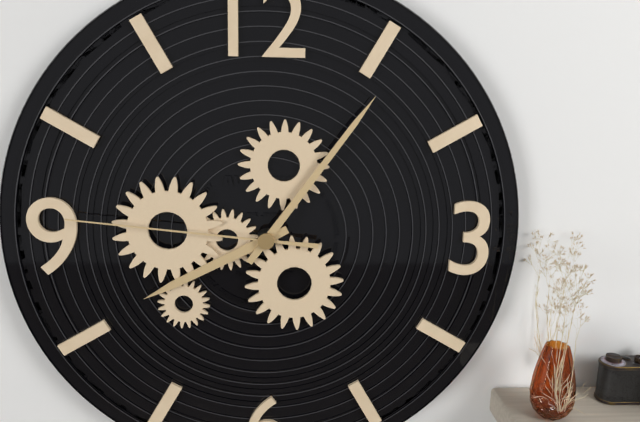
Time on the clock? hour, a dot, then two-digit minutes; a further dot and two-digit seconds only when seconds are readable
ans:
8.06.46
